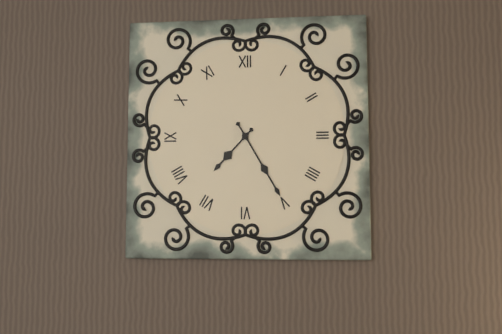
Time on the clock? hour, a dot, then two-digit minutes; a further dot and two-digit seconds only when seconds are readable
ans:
7.25
